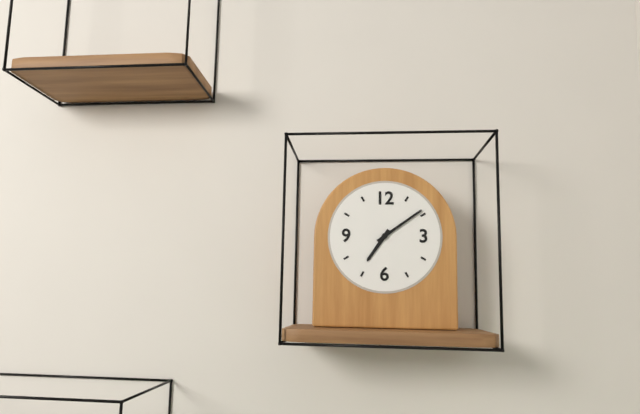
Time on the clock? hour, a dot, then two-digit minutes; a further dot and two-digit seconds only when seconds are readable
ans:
7.09
